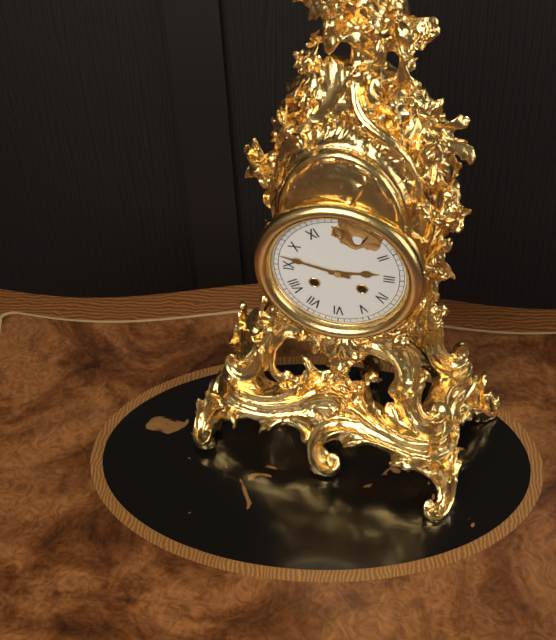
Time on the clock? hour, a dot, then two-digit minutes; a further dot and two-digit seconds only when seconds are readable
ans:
2.47
